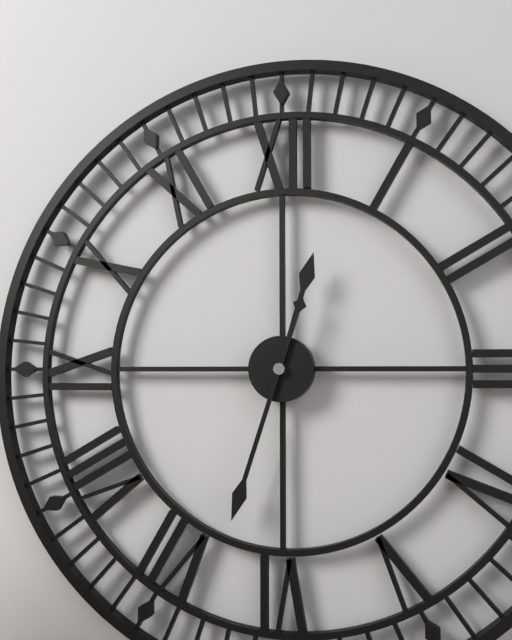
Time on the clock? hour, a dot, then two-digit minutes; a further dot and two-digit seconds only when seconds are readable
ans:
12.33
